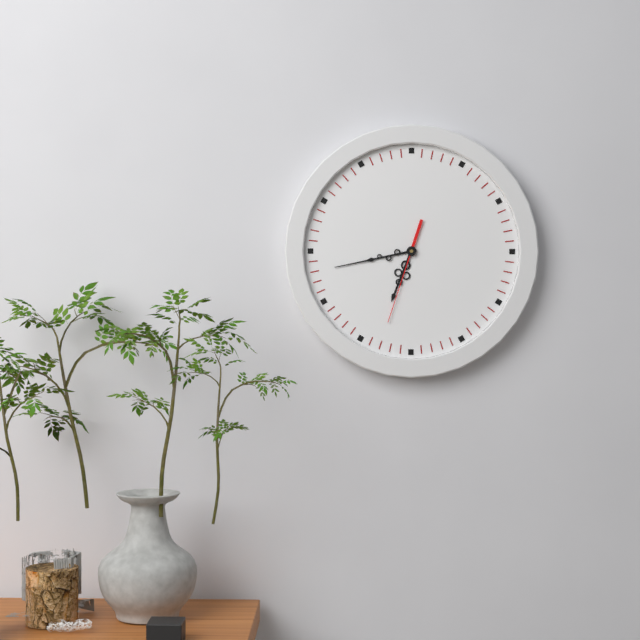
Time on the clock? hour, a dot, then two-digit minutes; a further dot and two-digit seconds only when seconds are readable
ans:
6.43.33
